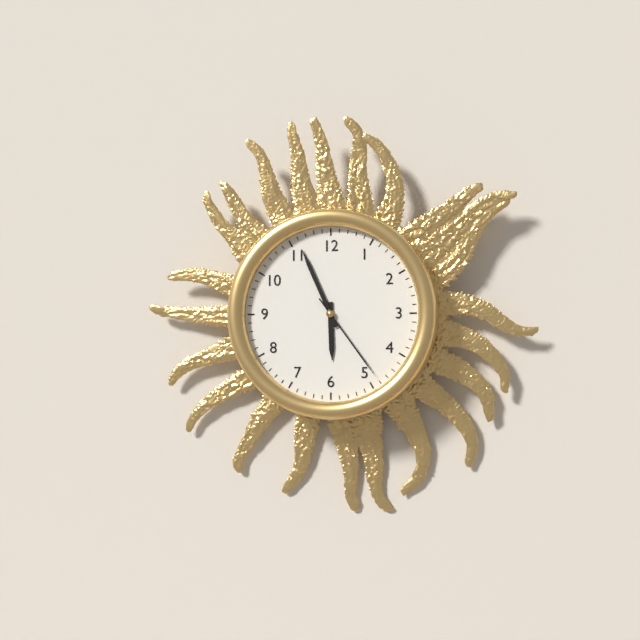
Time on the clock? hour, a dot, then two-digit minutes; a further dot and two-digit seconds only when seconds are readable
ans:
5.56.24
